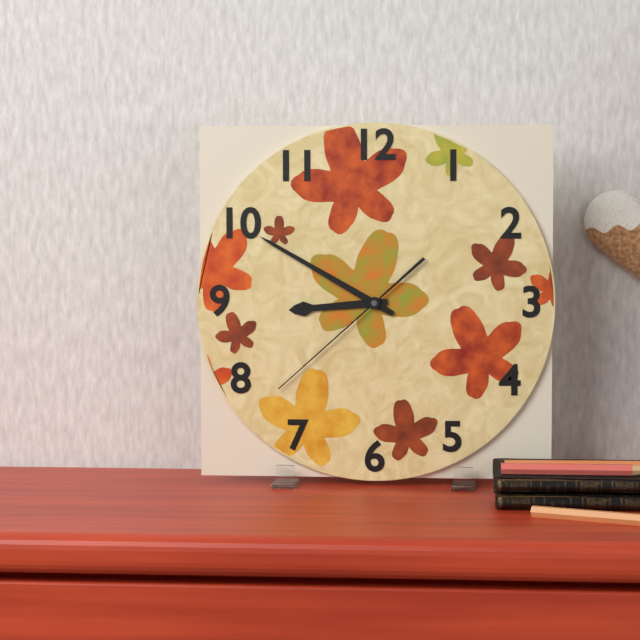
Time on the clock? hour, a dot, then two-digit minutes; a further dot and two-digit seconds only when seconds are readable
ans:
8.50.38
